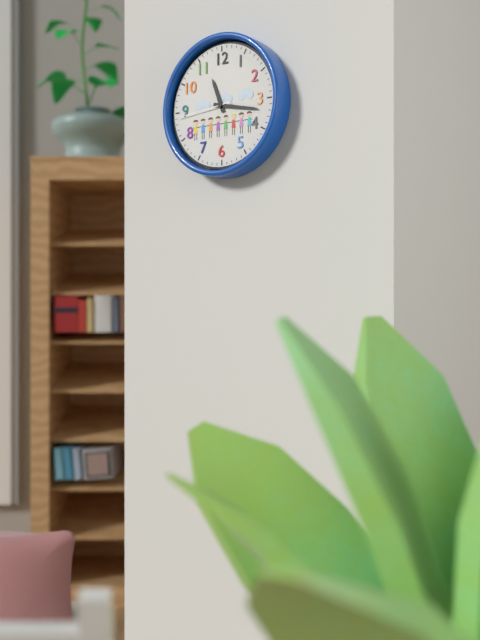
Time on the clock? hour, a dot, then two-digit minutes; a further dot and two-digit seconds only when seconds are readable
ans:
11.17.44
